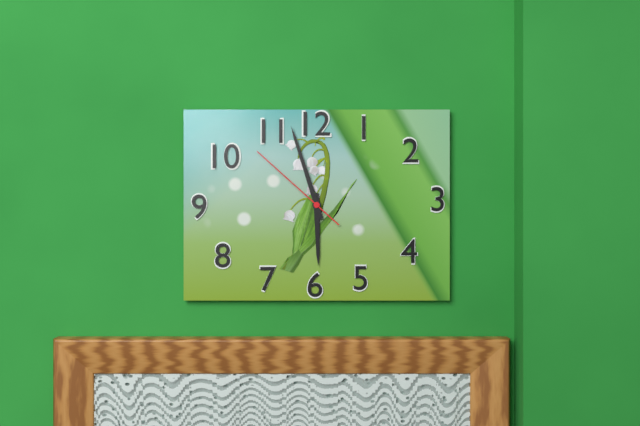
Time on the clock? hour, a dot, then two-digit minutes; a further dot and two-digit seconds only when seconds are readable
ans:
5.57.52
